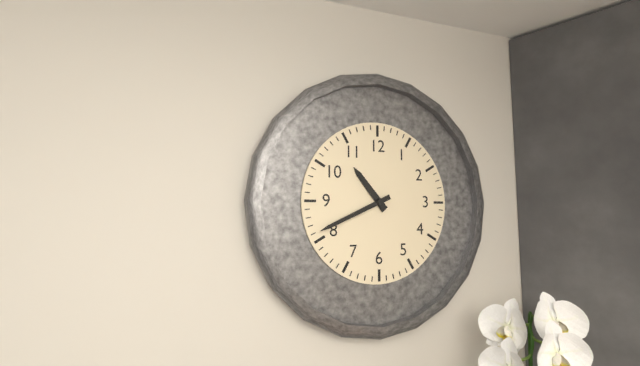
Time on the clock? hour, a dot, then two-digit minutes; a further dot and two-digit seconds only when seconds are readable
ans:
10.41
